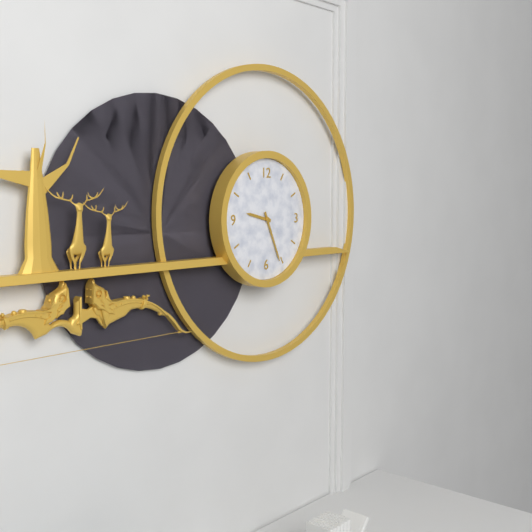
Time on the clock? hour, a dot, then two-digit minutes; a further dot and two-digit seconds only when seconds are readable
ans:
9.26
